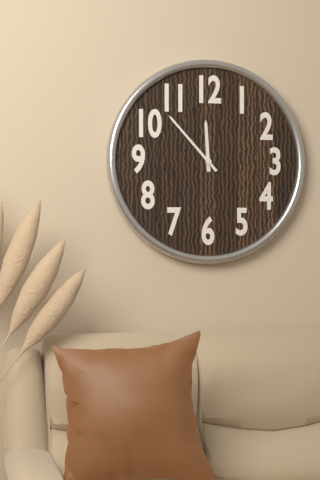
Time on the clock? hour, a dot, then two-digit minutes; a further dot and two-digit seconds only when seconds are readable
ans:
11.53
